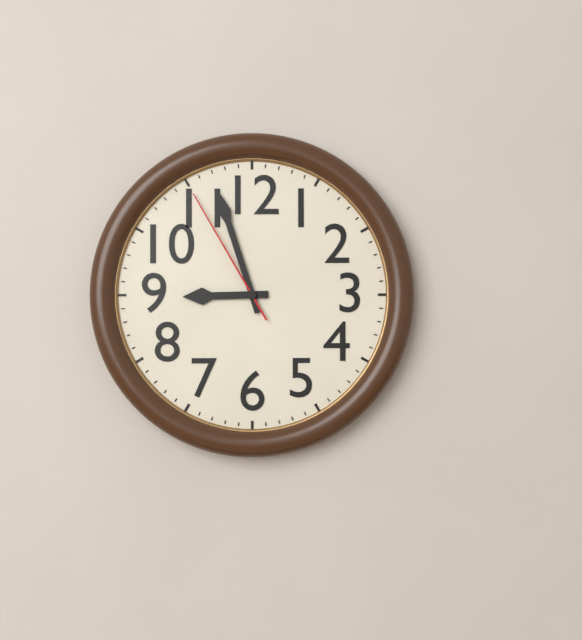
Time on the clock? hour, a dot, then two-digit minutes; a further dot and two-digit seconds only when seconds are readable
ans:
8.57.55
